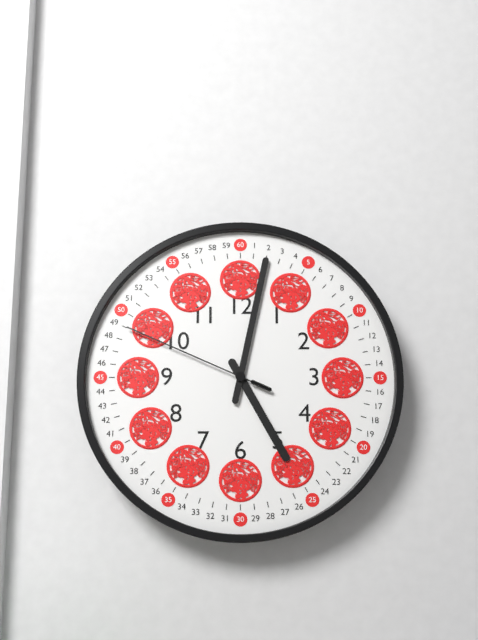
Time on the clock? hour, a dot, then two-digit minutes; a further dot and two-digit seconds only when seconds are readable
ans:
5.02.49
